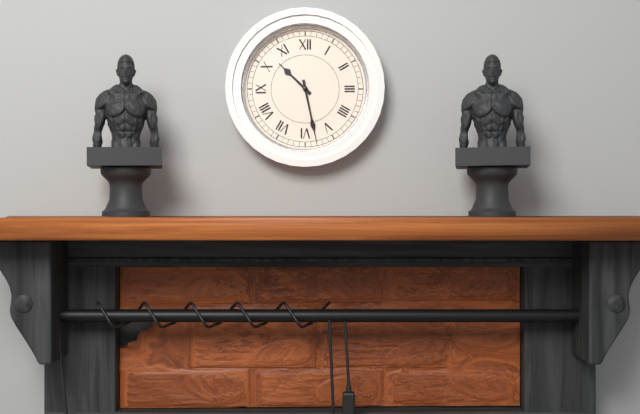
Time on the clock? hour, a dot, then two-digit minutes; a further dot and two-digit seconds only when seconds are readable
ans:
10.28
